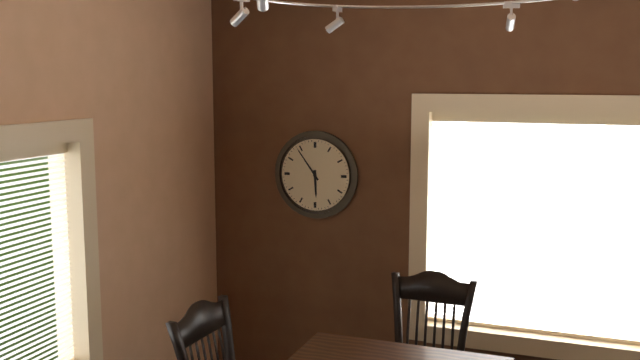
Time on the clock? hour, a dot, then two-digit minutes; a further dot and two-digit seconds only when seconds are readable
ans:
5.54
